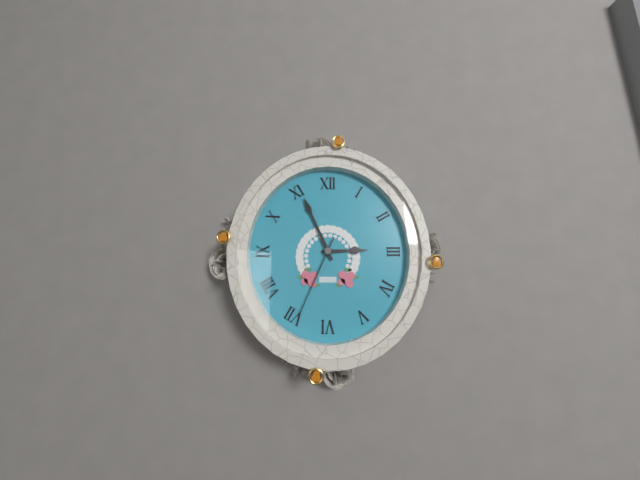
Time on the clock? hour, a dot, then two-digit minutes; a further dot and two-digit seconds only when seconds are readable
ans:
2.56.34
